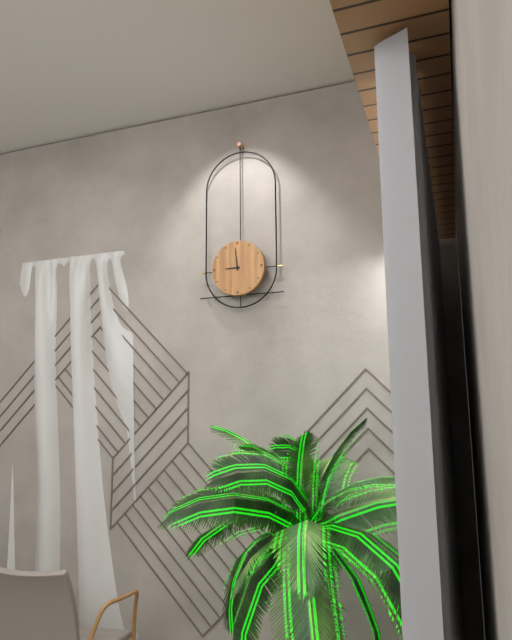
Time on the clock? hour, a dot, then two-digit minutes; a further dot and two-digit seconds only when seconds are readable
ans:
8.59
